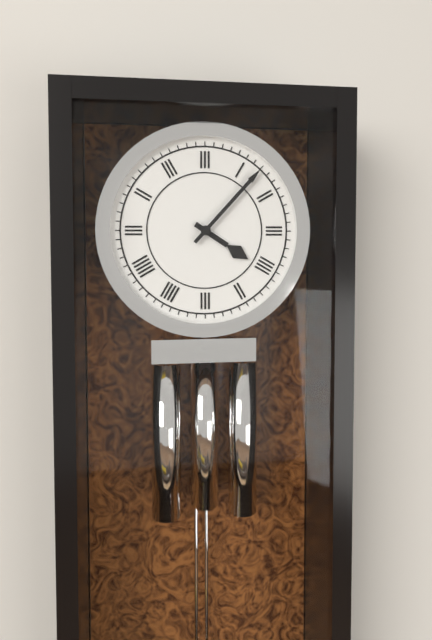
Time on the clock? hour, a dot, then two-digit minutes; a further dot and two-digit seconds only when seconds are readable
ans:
4.07
